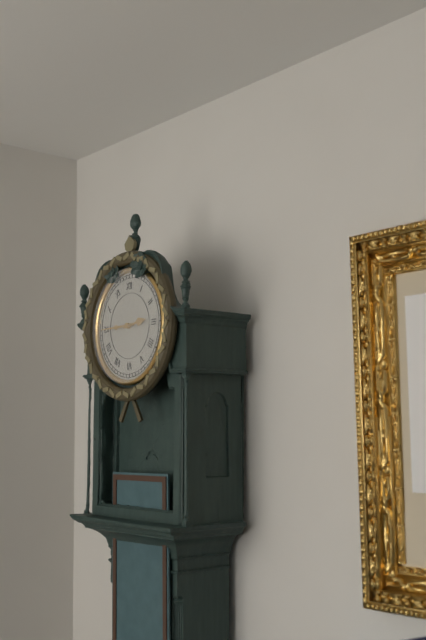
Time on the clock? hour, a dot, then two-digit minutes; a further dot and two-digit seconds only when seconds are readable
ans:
2.45
